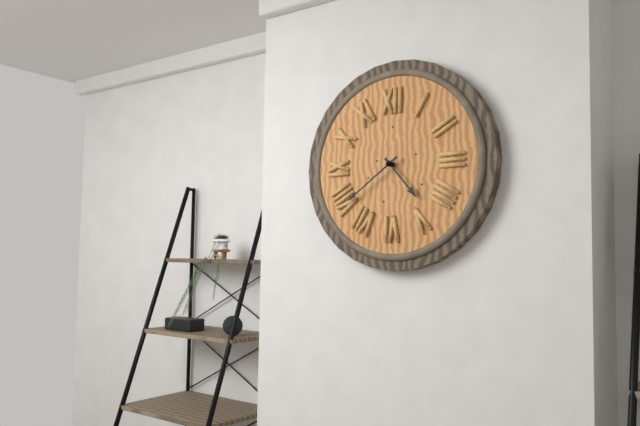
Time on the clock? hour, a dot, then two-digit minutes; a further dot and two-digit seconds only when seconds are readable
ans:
4.39
